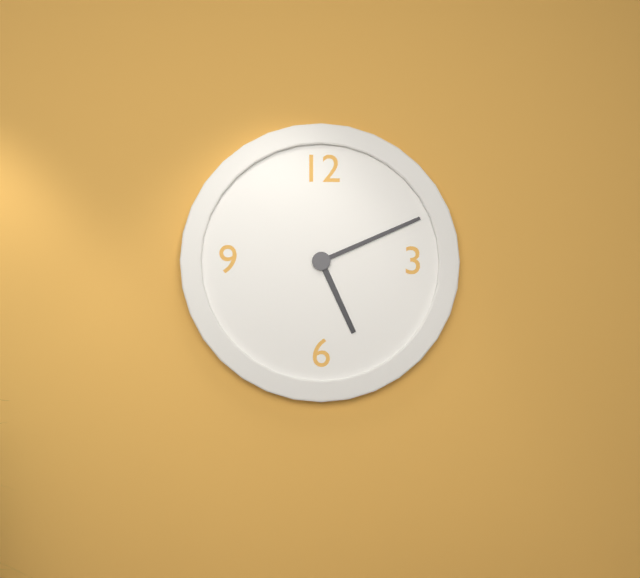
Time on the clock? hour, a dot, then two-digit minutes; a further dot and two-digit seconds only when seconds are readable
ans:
5.11
